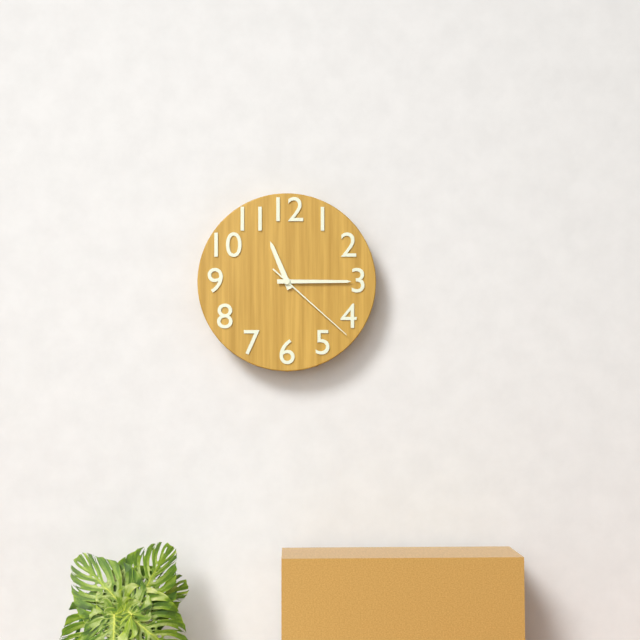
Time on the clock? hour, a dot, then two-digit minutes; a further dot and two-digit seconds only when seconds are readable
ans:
11.15.22
